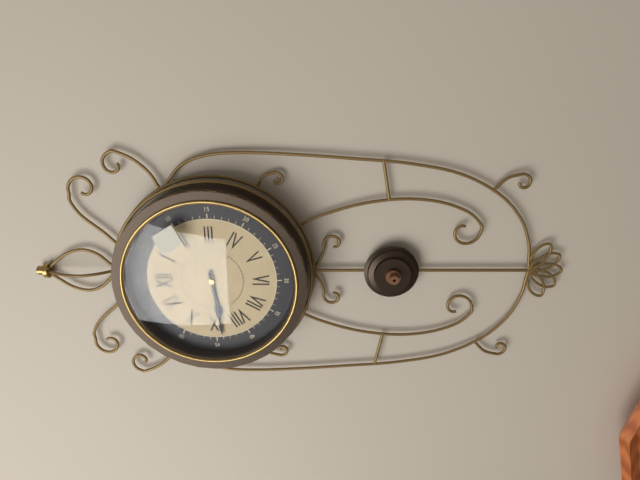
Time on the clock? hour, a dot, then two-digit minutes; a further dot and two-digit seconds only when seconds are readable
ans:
8.44
